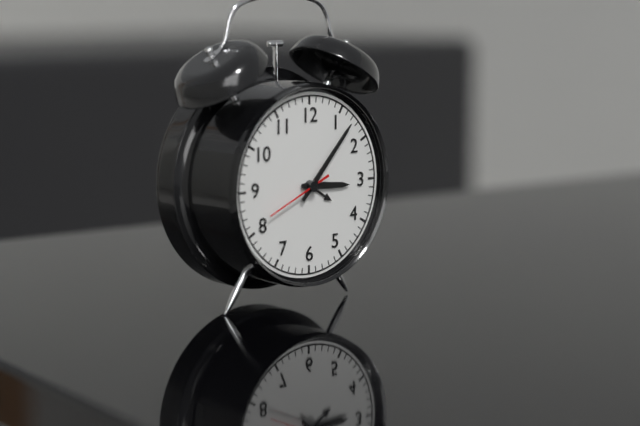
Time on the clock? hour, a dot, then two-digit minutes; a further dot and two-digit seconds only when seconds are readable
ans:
3.07
